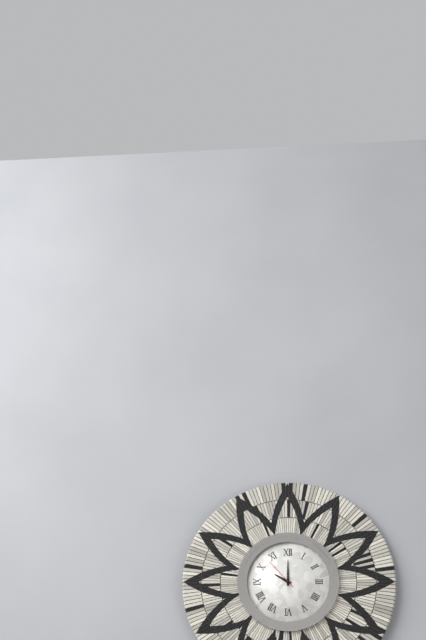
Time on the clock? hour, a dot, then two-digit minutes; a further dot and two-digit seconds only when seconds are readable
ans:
10.00
